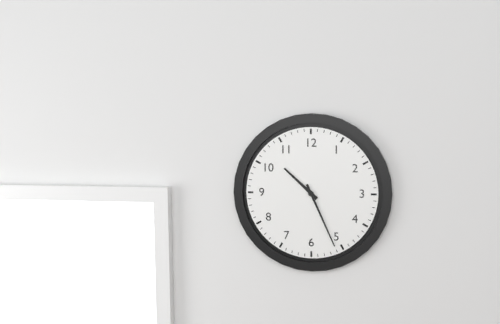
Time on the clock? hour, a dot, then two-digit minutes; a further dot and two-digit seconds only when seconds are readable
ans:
10.26
